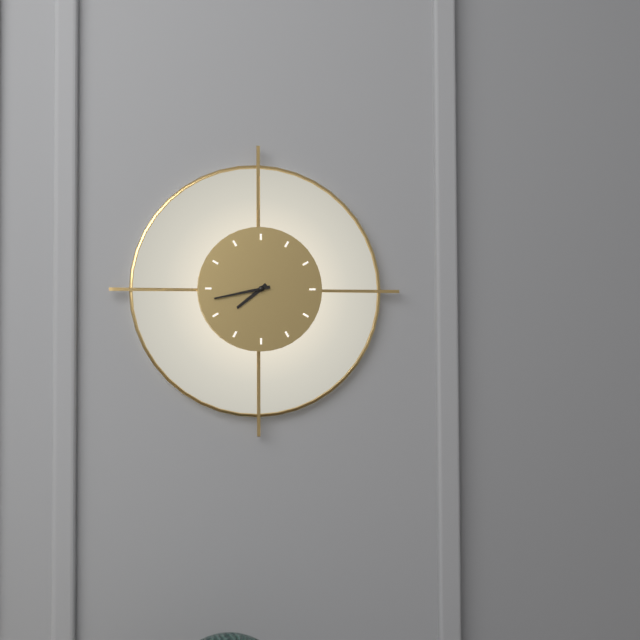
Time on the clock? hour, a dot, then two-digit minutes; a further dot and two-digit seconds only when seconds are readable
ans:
7.43
